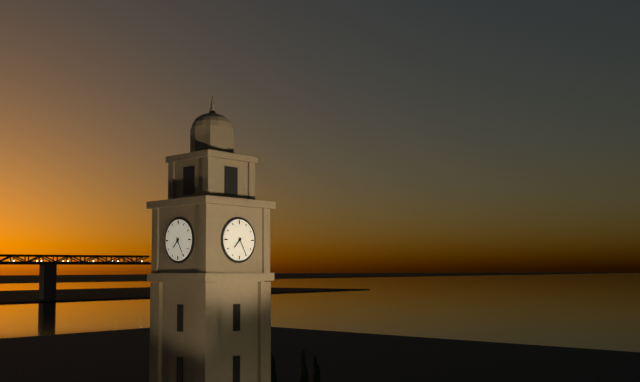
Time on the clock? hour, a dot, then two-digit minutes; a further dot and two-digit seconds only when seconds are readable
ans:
7.25
